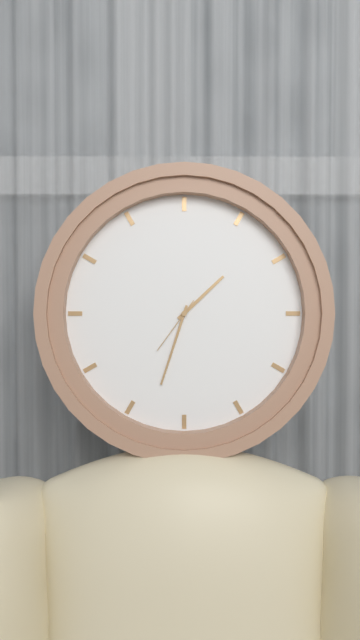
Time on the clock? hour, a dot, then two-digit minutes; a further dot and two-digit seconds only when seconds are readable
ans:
1.33.36
